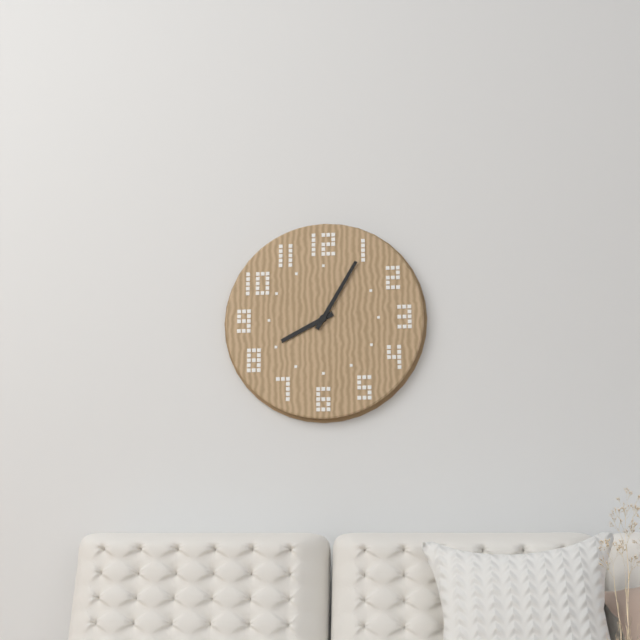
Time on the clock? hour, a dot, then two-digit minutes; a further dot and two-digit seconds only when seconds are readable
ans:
8.05
